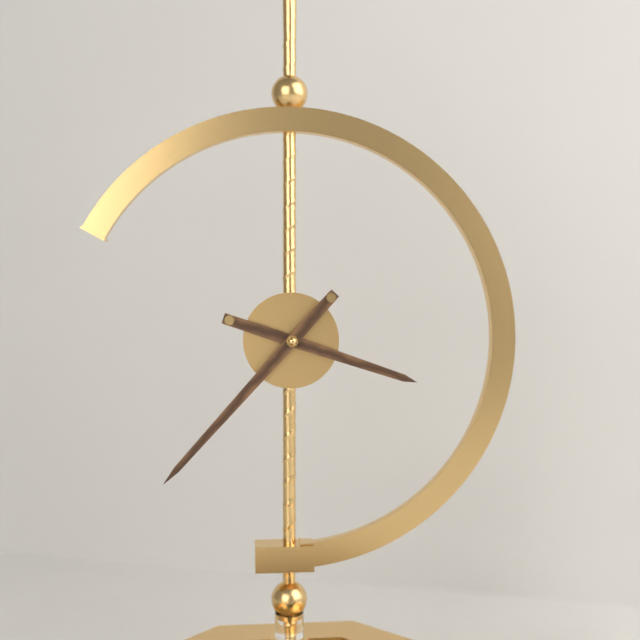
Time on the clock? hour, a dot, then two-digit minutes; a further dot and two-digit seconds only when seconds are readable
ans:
3.37
